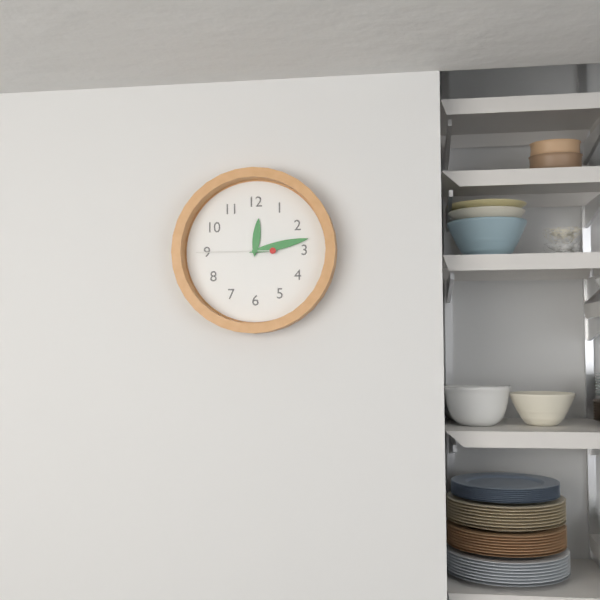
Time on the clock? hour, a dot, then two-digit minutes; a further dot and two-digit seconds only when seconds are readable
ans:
12.13.45
